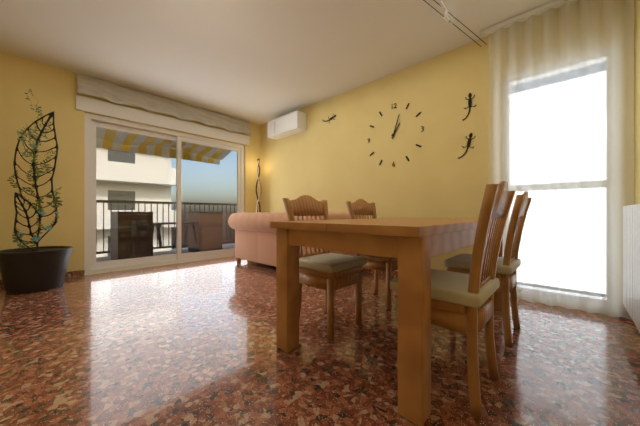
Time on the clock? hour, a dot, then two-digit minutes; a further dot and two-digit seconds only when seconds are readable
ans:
1.03
